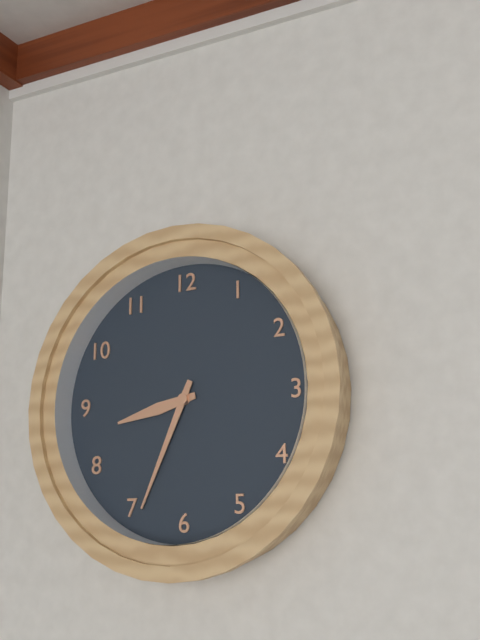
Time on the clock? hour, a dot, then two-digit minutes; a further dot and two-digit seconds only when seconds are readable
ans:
8.34
